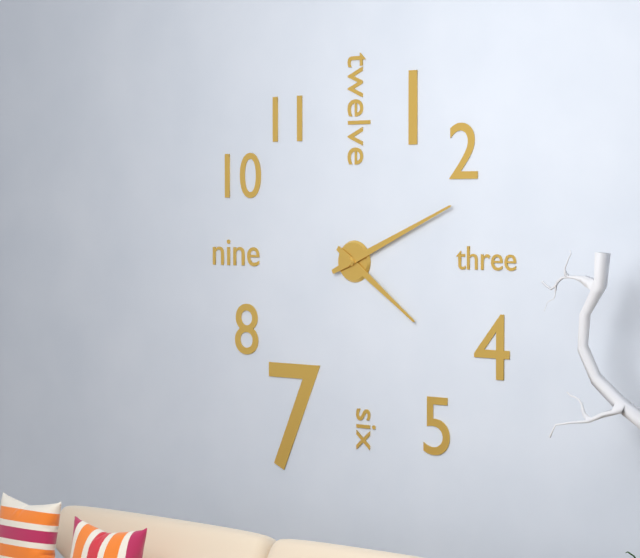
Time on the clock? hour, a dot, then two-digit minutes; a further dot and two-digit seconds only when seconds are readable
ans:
4.11
